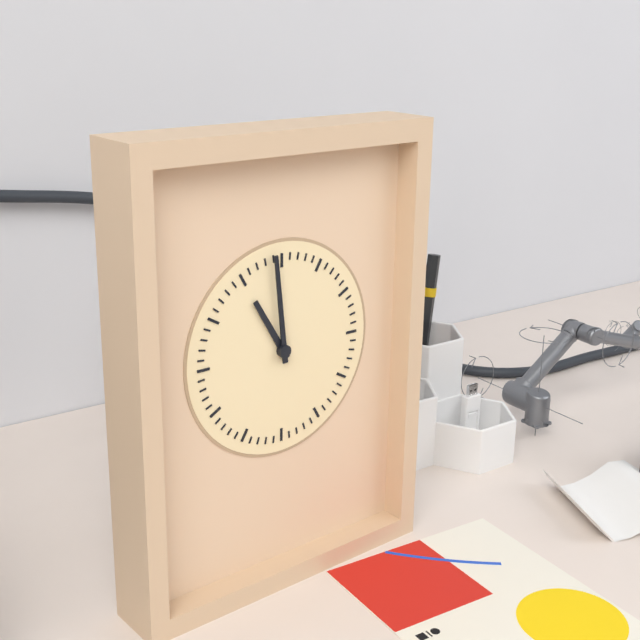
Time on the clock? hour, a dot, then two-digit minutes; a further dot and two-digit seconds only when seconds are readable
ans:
10.59
